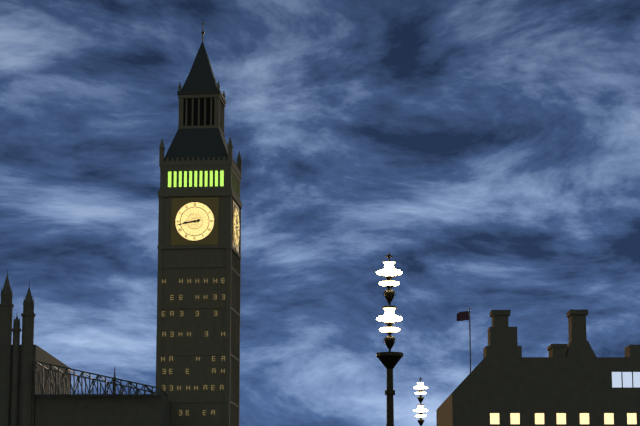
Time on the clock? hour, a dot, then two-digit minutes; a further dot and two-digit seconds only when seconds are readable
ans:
8.43
